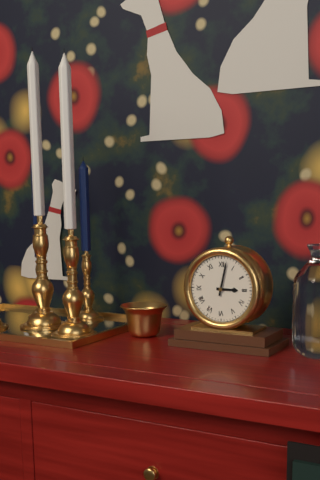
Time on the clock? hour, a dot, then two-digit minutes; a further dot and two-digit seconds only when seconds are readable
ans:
3.02
